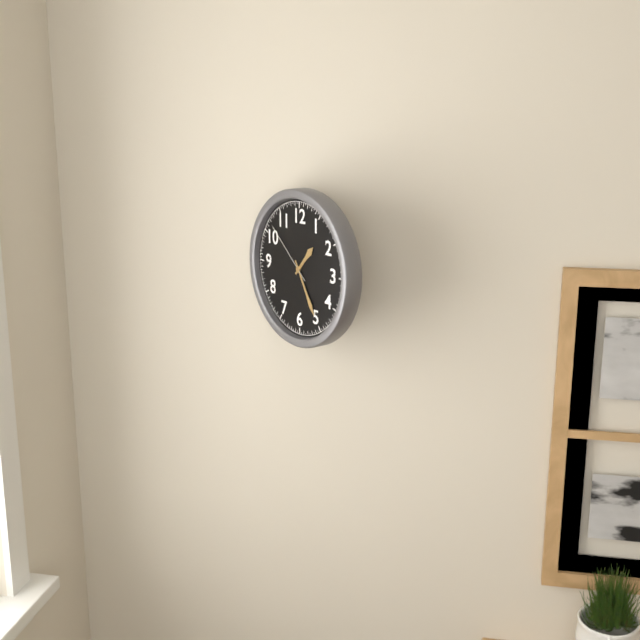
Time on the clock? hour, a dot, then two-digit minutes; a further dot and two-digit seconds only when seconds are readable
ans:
1.25.52
